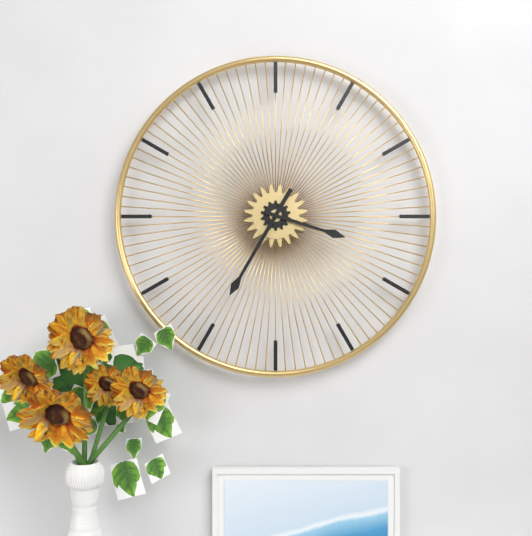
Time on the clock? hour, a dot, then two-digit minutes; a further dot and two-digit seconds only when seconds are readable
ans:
3.35
